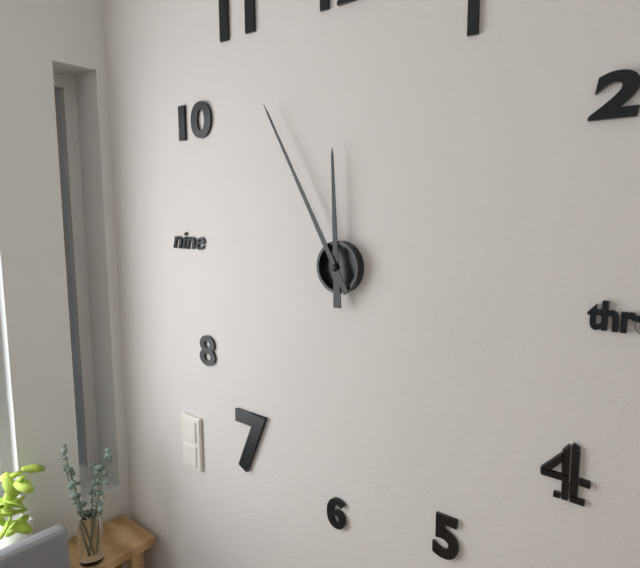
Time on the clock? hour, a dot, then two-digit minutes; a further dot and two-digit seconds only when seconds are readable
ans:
11.55
